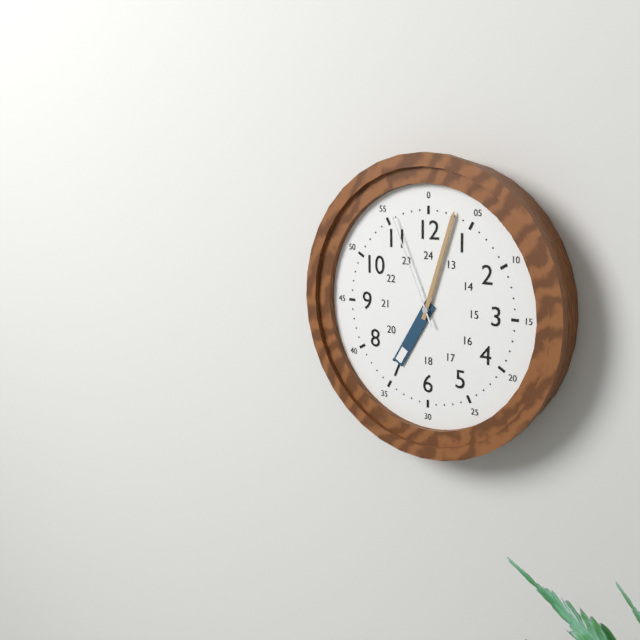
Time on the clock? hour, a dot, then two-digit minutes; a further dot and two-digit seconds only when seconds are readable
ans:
7.03.56
